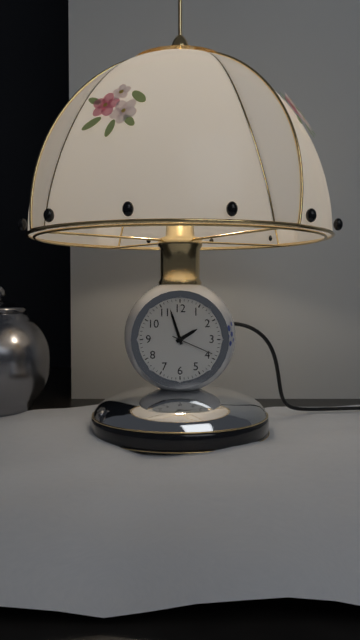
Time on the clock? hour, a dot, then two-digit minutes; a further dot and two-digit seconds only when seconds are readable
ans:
1.57
